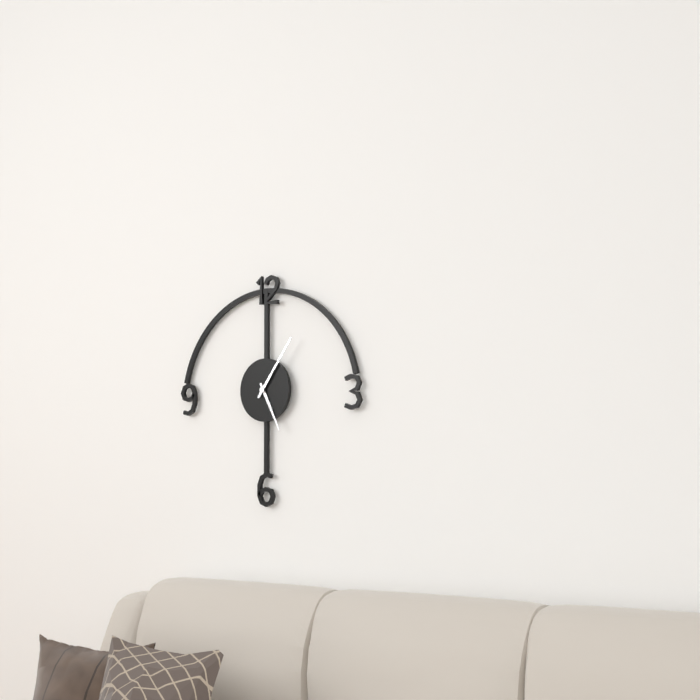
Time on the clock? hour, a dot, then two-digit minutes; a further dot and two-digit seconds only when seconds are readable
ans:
5.06
